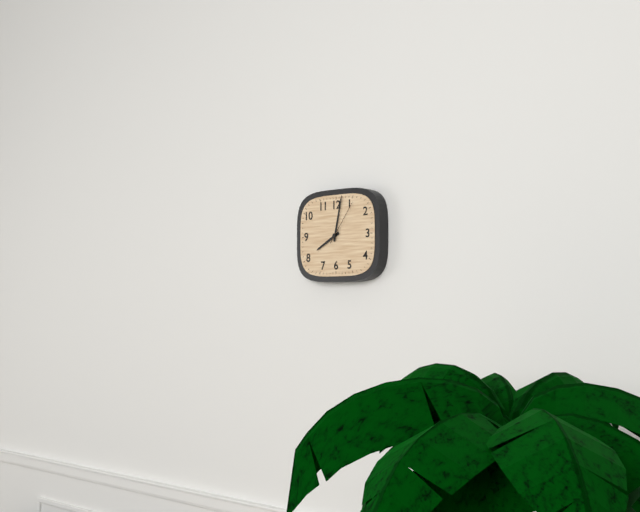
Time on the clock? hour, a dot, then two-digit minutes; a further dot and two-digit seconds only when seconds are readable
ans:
8.02
